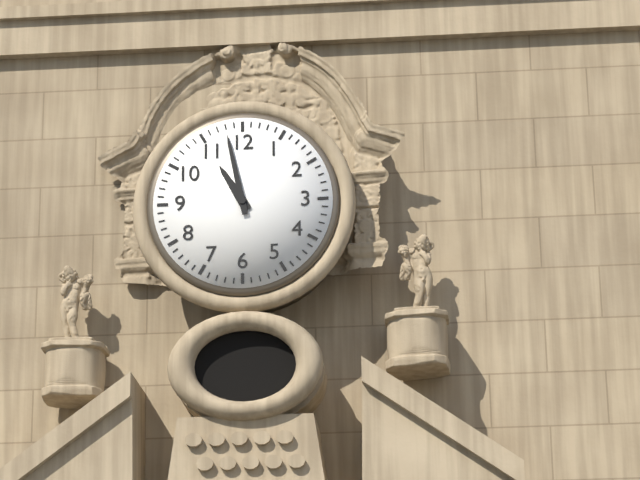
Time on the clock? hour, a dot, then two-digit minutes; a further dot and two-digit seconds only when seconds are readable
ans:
10.58
